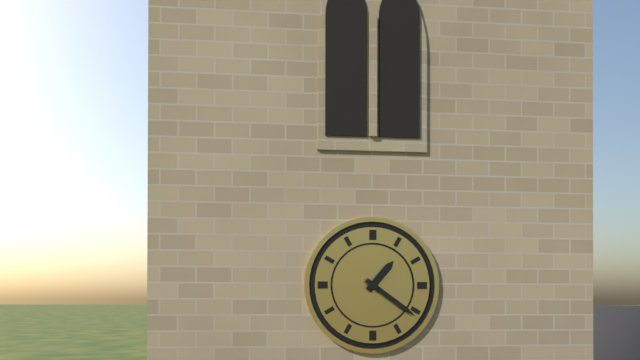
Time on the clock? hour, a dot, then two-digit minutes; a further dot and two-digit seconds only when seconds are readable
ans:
1.21
